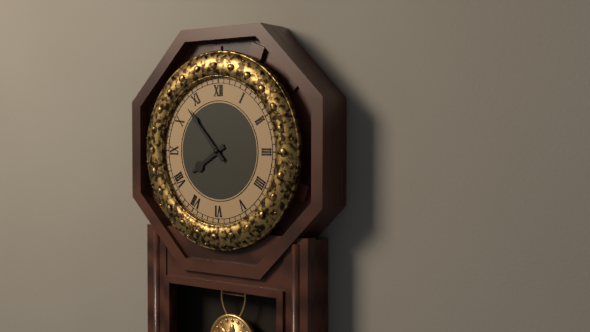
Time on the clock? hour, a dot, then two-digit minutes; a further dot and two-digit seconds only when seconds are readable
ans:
7.53
